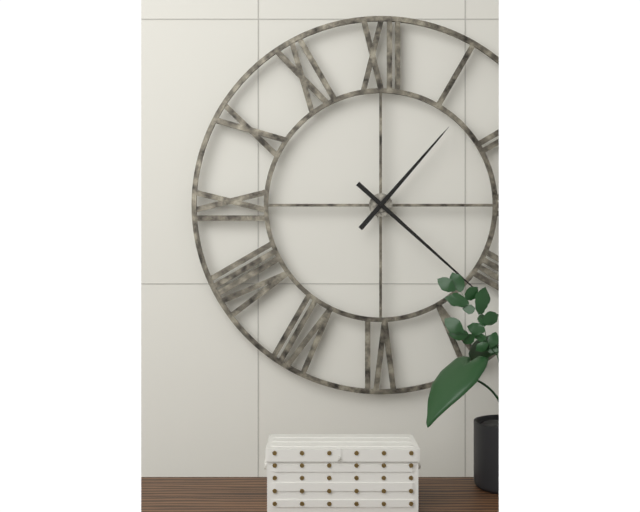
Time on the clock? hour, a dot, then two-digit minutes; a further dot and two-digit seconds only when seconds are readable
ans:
1.22
